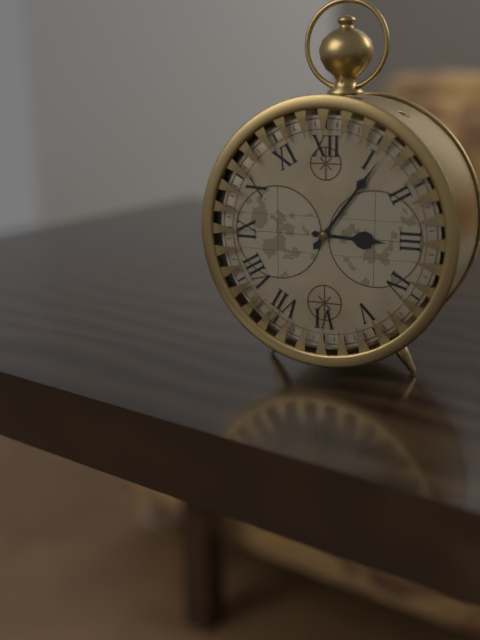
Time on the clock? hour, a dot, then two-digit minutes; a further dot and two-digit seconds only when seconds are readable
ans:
3.06
